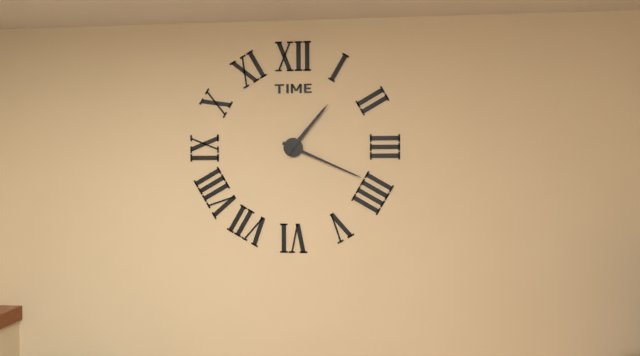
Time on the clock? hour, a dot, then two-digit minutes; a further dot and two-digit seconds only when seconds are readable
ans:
1.19
